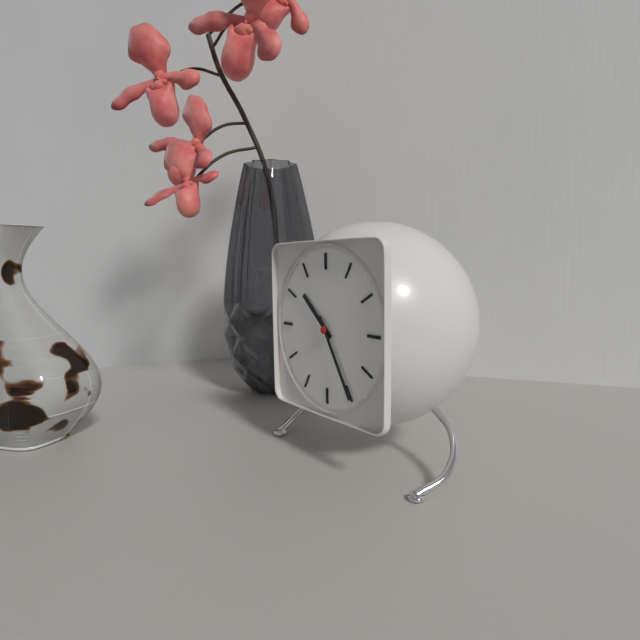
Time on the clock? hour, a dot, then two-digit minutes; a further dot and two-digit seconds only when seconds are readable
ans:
10.25
